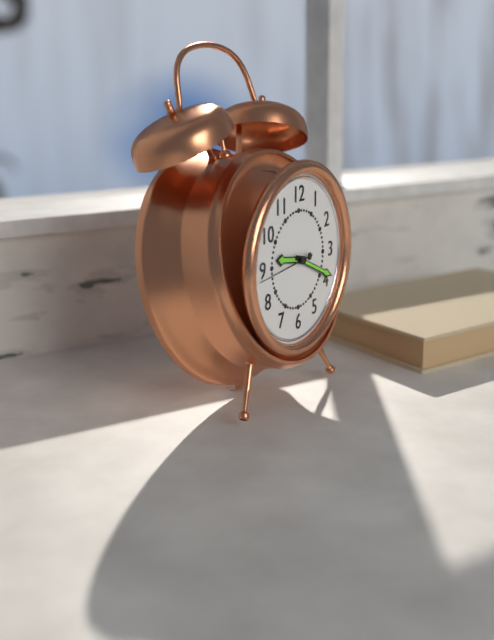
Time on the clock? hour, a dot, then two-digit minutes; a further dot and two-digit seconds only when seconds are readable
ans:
9.19.44
